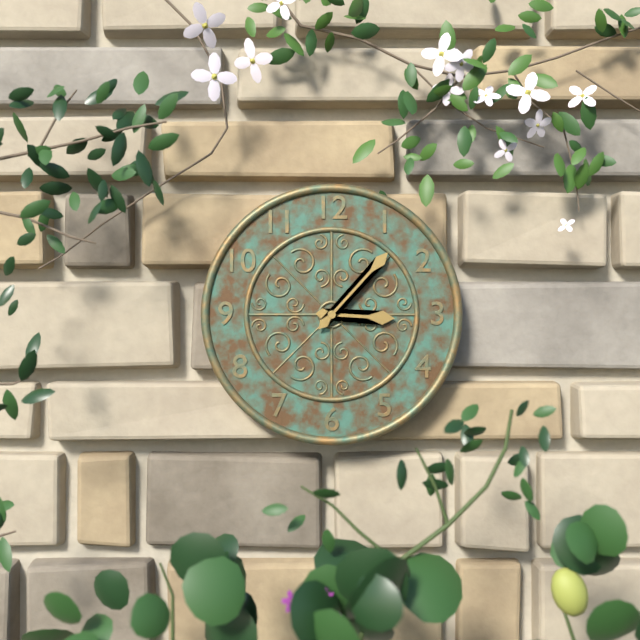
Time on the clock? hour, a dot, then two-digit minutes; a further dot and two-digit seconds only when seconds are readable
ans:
3.07
